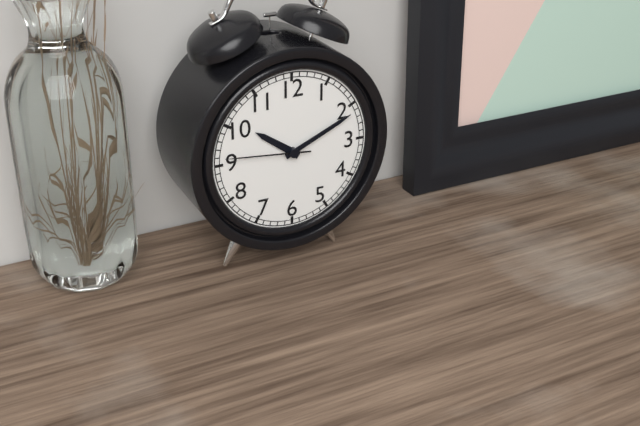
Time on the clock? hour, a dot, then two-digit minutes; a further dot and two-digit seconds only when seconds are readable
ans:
10.11.46
